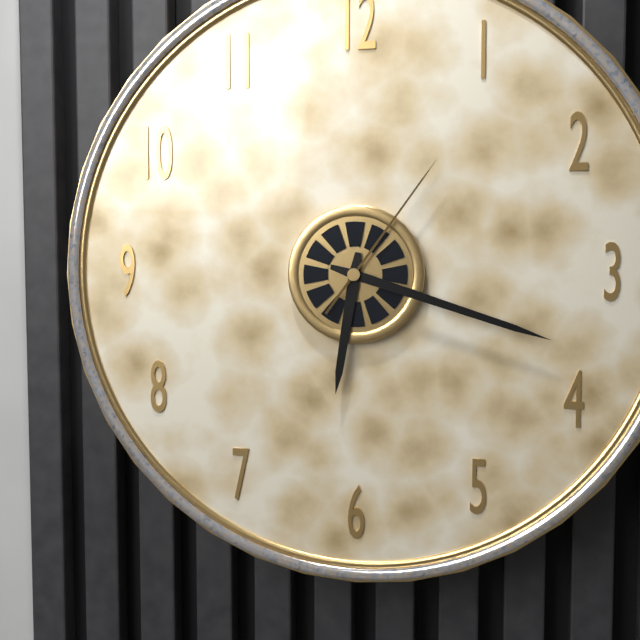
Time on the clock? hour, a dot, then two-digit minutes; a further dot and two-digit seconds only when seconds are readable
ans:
6.18.06
